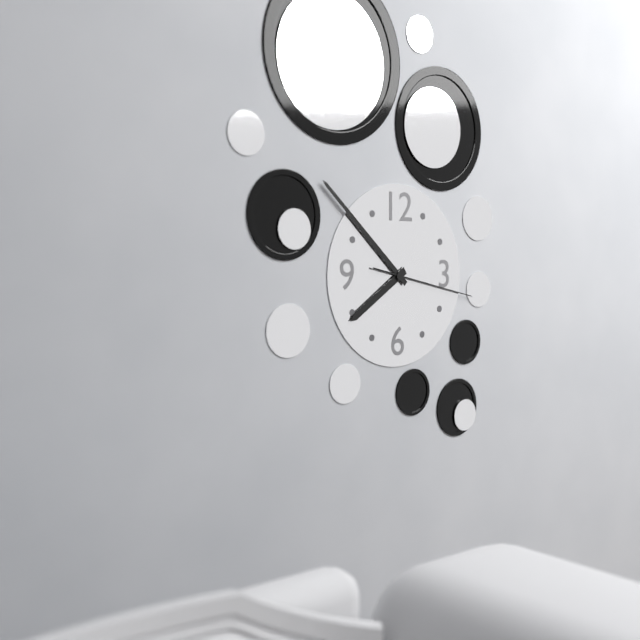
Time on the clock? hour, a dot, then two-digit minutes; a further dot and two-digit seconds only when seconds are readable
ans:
7.52.17
